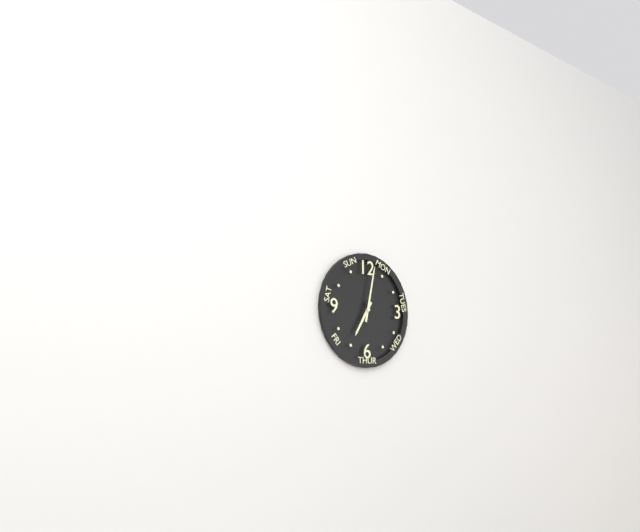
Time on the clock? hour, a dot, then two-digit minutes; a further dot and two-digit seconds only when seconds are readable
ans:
7.02
